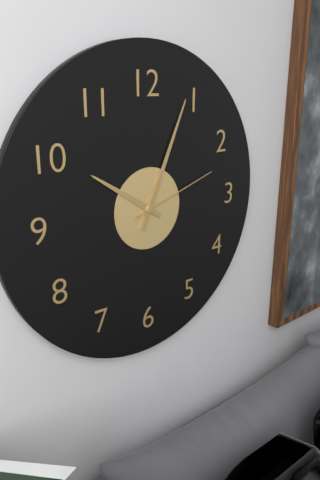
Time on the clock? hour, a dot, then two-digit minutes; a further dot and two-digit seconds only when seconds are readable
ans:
10.04.12
